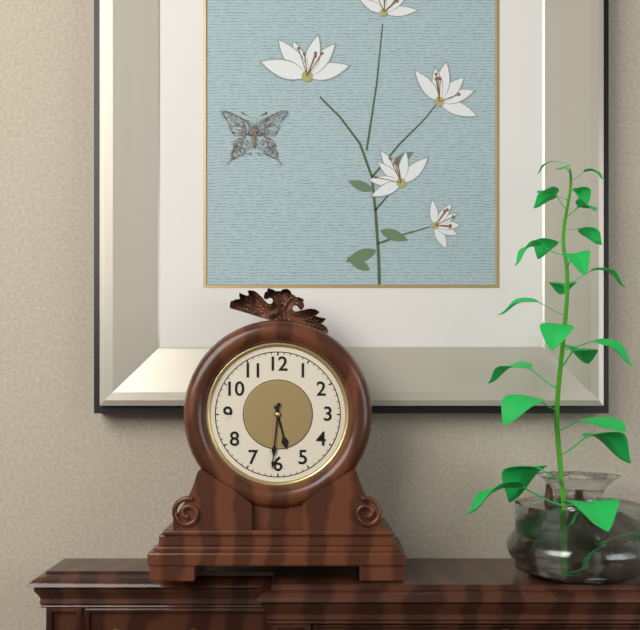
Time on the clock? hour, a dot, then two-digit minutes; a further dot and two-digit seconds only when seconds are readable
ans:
5.31
